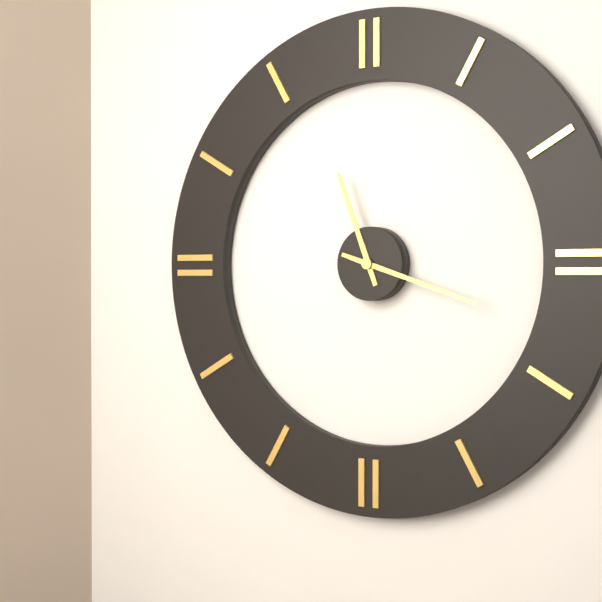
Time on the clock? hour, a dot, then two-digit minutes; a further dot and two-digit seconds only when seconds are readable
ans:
11.18
